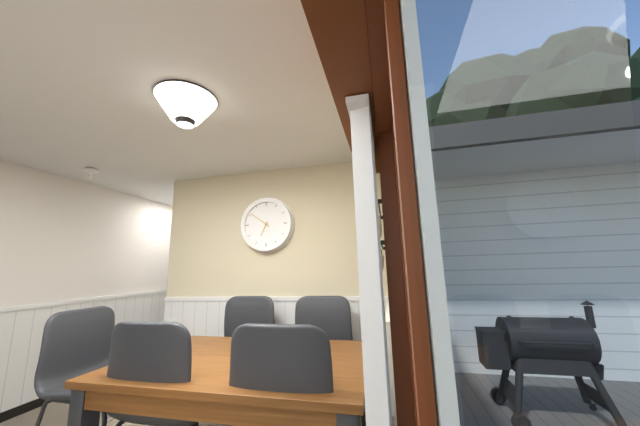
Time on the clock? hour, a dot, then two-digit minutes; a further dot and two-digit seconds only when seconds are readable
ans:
6.51
